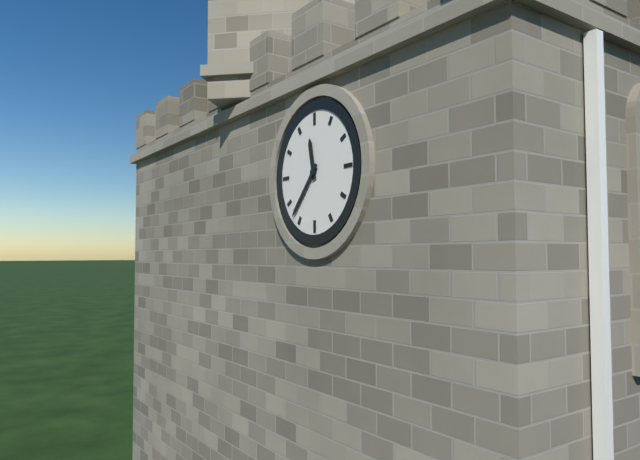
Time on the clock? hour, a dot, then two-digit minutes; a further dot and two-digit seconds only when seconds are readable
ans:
11.37
